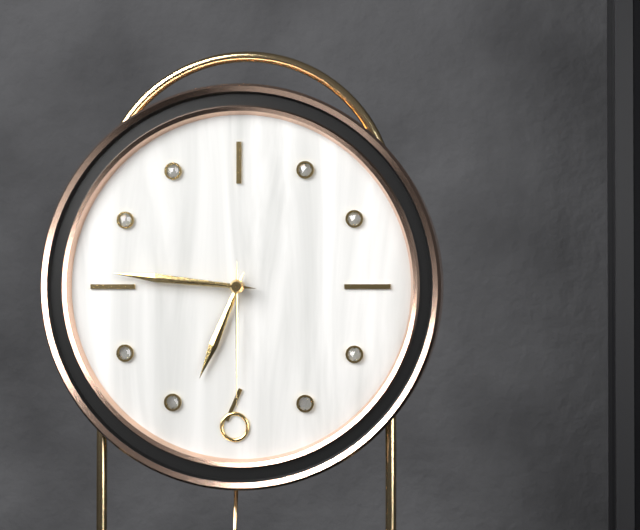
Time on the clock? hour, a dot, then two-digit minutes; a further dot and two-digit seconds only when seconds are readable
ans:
6.46.30
